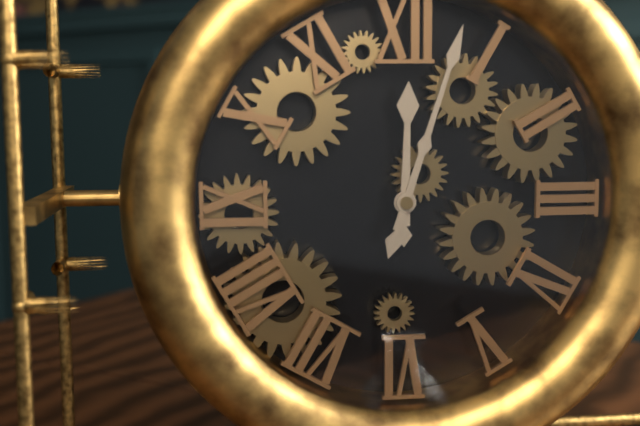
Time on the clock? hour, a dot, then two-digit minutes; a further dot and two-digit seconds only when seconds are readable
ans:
12.03
